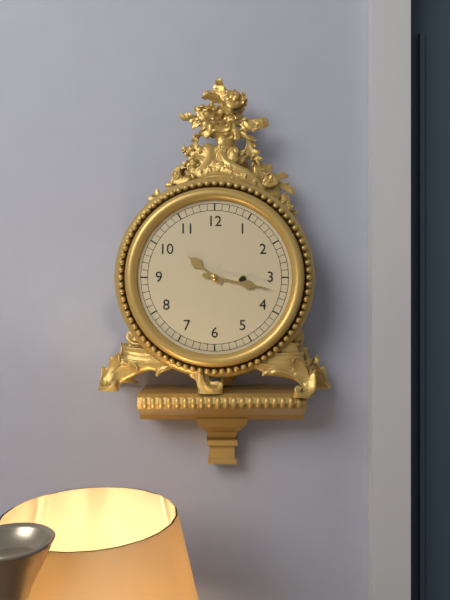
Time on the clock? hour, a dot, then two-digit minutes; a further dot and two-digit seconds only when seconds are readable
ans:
10.17
